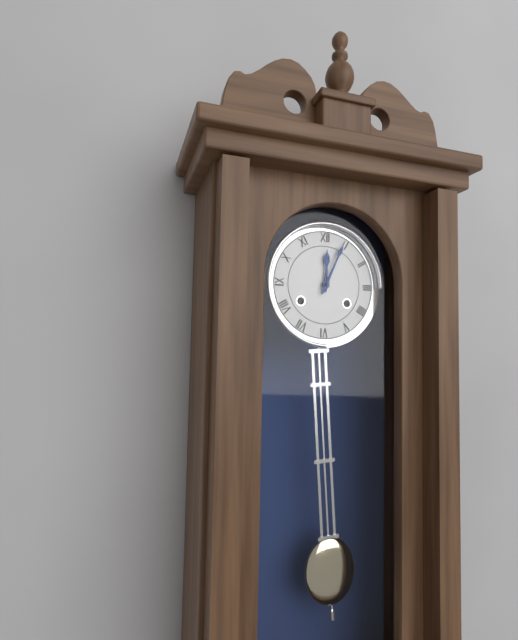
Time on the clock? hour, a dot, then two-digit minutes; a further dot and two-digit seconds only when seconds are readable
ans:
12.04
